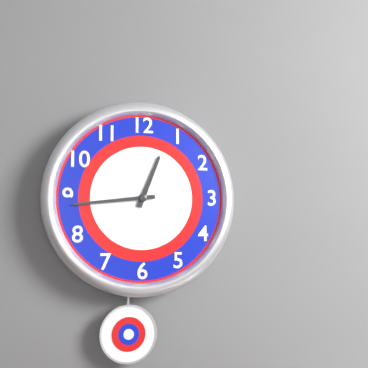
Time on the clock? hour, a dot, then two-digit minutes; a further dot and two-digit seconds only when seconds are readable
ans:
12.44
